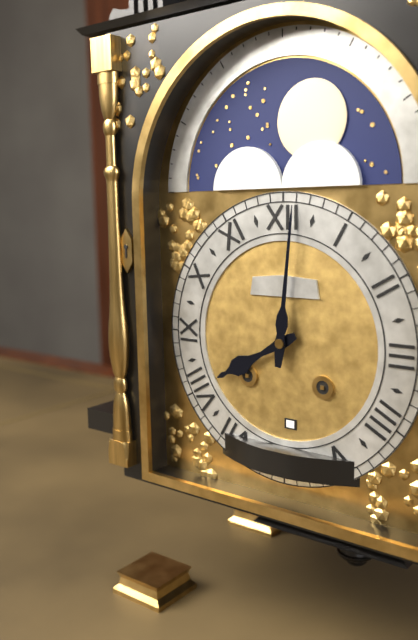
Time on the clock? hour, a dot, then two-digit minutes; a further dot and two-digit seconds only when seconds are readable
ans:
8.01
